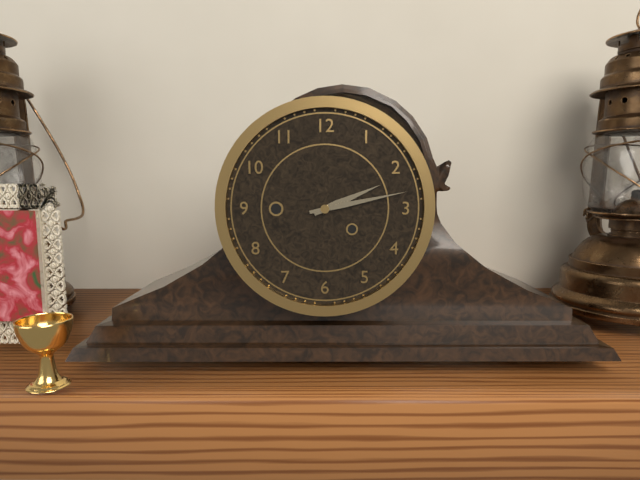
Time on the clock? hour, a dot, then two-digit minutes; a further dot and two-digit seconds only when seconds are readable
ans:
2.13
